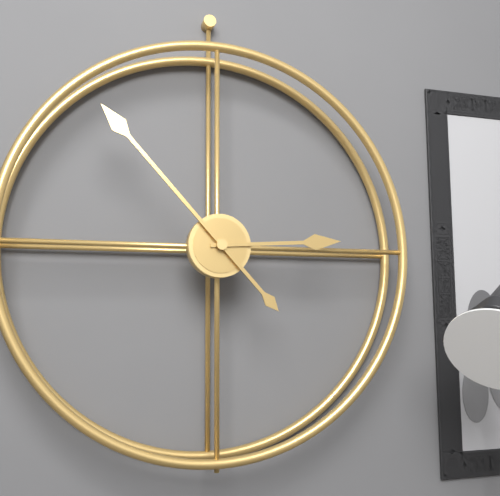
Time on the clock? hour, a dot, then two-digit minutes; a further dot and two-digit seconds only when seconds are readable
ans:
2.53
